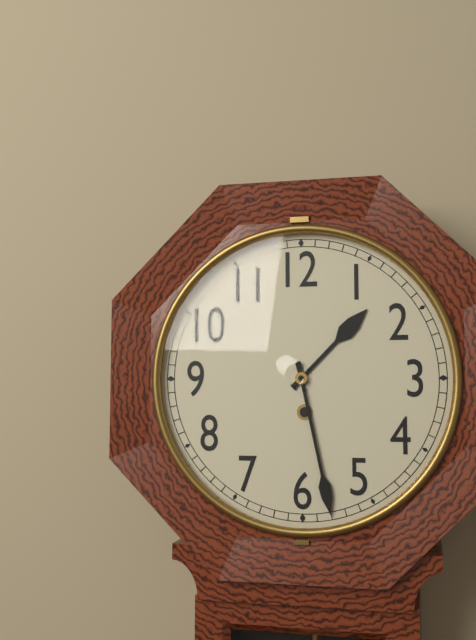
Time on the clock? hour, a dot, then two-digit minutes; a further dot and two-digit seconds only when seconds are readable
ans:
1.28
